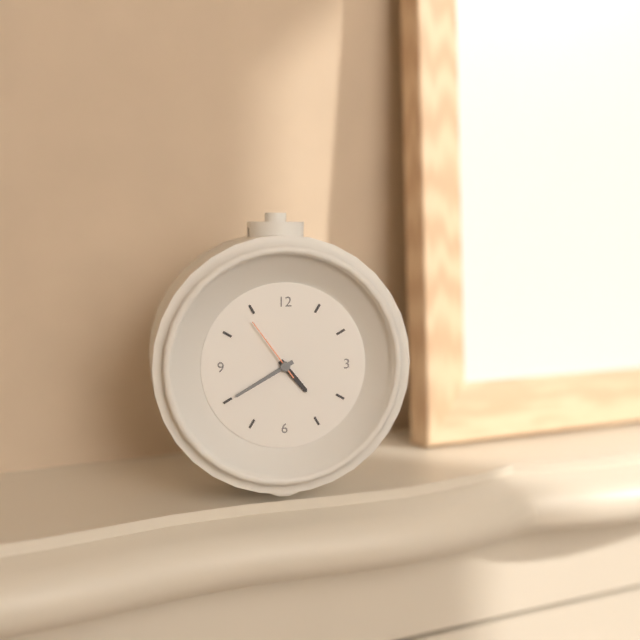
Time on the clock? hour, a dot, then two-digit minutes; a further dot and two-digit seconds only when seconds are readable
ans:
4.40.54
